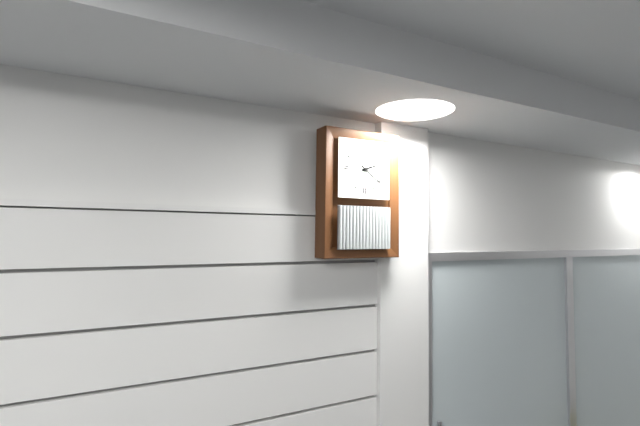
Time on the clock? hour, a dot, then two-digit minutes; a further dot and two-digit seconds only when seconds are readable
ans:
2.21
